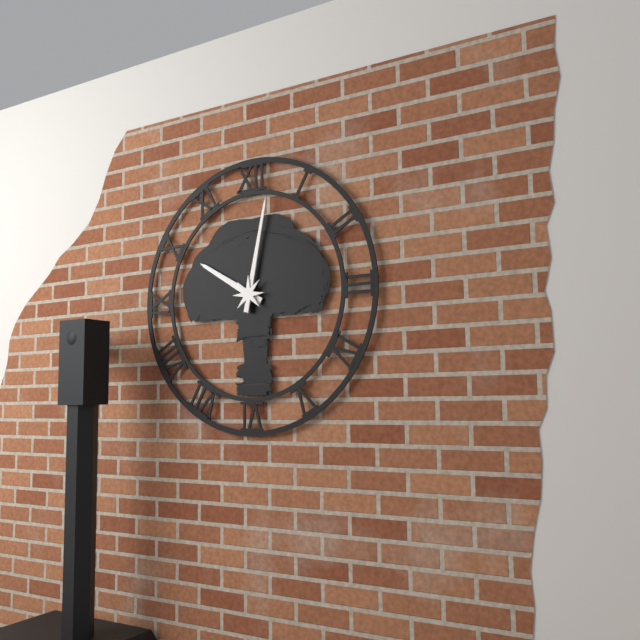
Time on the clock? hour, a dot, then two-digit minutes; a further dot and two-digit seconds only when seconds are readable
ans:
10.02
